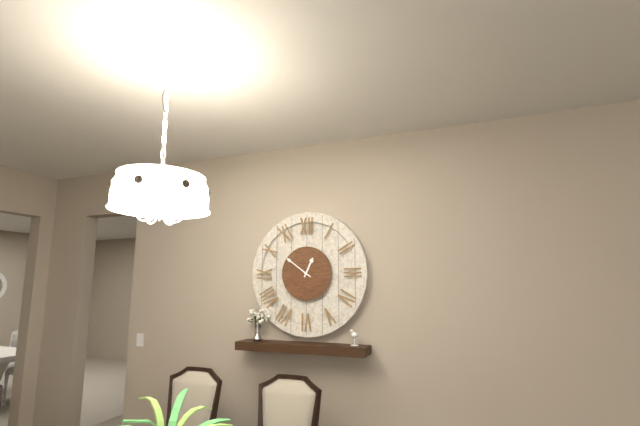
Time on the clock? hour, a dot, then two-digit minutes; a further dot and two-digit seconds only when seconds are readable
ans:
12.51
